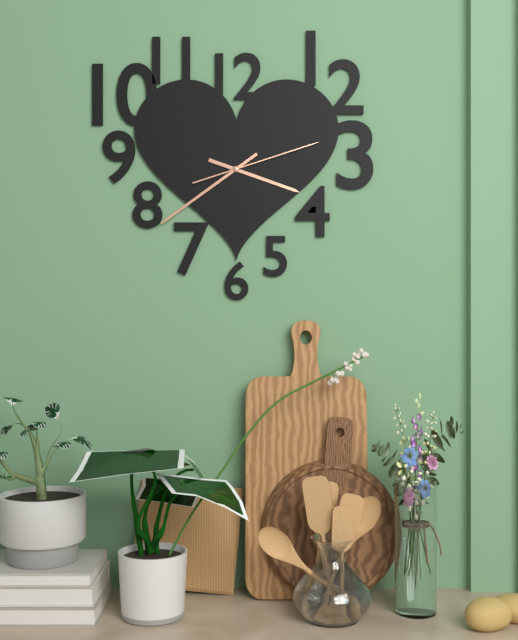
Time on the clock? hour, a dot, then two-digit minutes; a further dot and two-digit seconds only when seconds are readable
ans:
3.39.12
